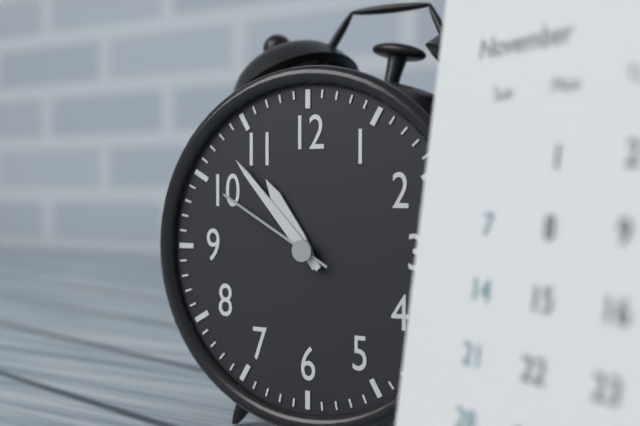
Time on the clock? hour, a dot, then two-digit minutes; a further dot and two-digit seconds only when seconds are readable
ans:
10.53.50
